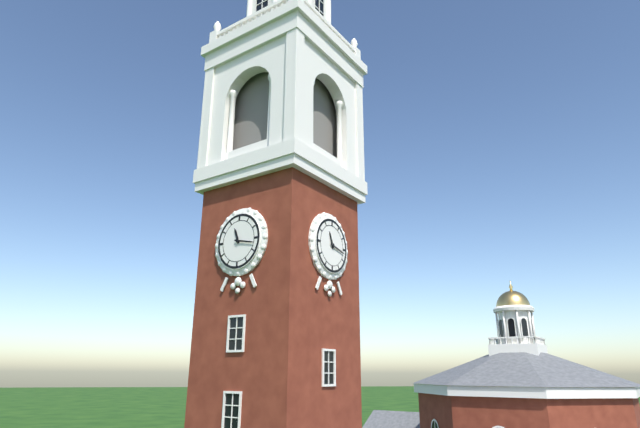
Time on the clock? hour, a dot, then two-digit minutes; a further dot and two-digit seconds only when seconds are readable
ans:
11.17
